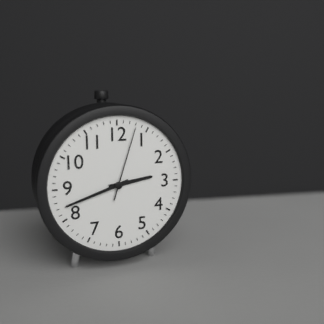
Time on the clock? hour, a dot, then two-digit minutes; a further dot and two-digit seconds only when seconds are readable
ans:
2.42.03
